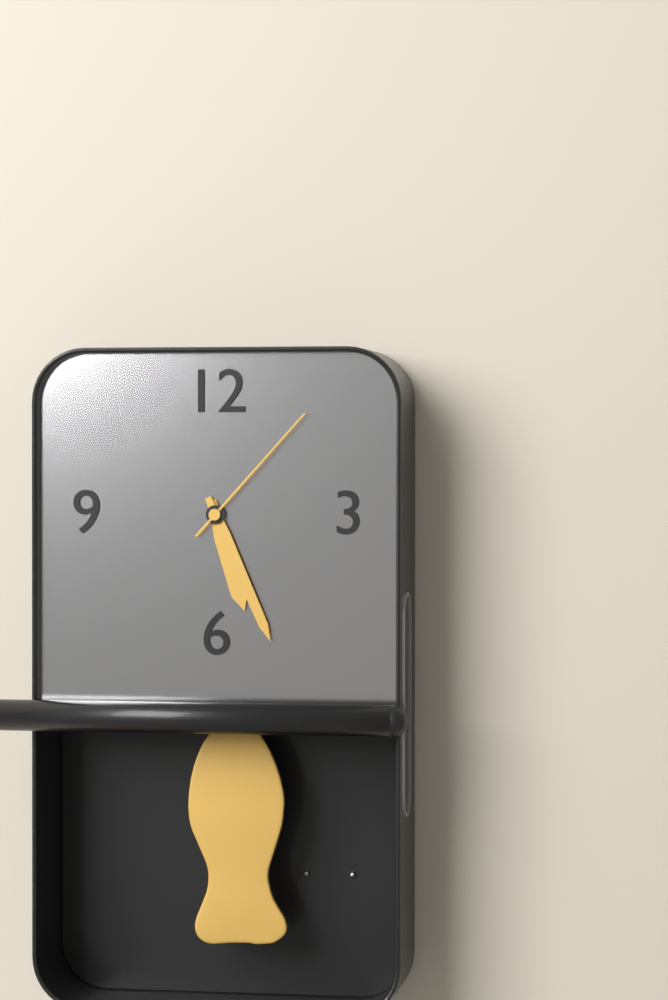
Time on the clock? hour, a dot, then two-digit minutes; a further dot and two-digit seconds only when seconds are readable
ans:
5.26.07
